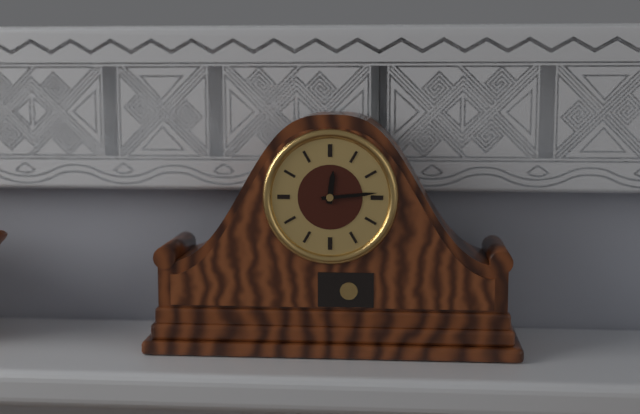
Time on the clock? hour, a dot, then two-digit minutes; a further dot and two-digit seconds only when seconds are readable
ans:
12.14
